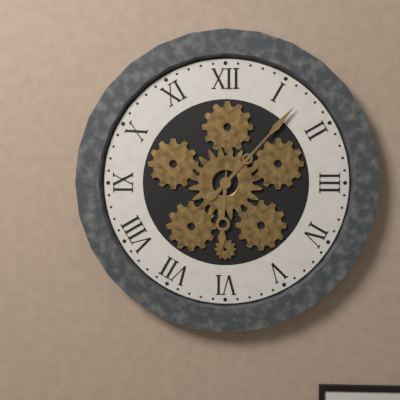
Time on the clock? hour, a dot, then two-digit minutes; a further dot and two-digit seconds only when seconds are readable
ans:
6.07
